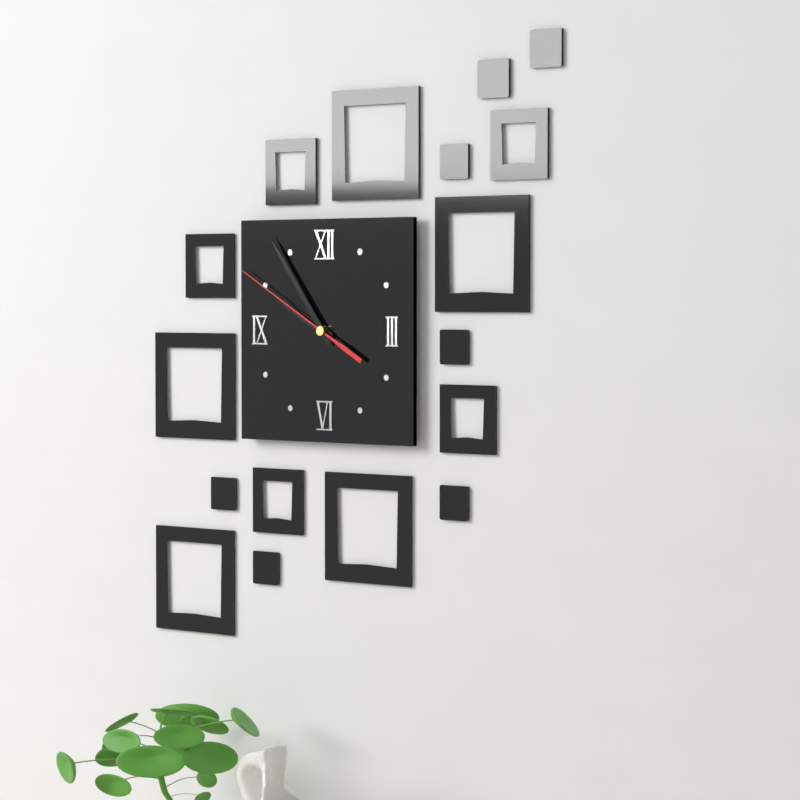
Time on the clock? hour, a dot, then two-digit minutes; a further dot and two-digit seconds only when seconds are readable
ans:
9.54.50
